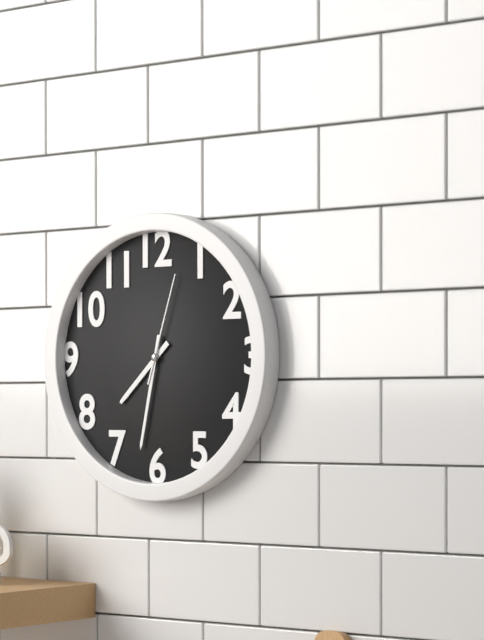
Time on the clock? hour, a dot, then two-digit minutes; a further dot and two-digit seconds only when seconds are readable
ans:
7.32.03
